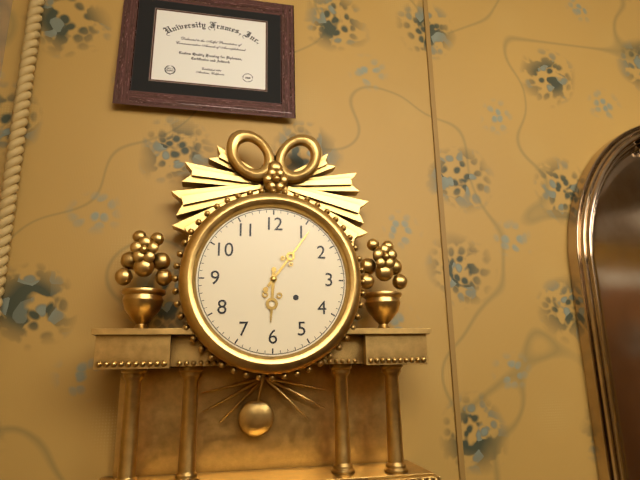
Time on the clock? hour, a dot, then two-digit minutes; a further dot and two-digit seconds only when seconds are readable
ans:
6.06
